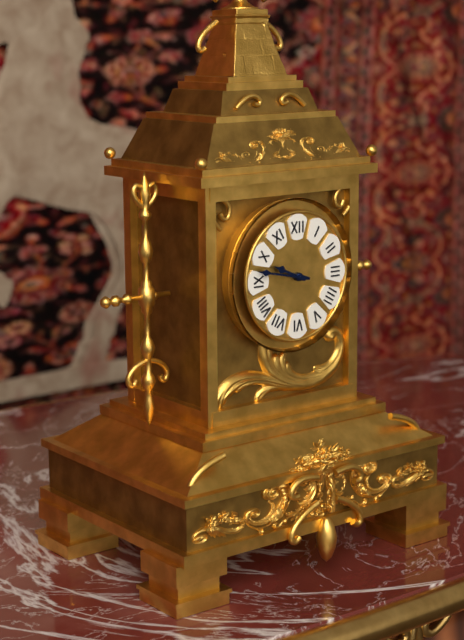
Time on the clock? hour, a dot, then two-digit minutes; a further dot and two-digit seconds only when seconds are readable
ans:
9.47
